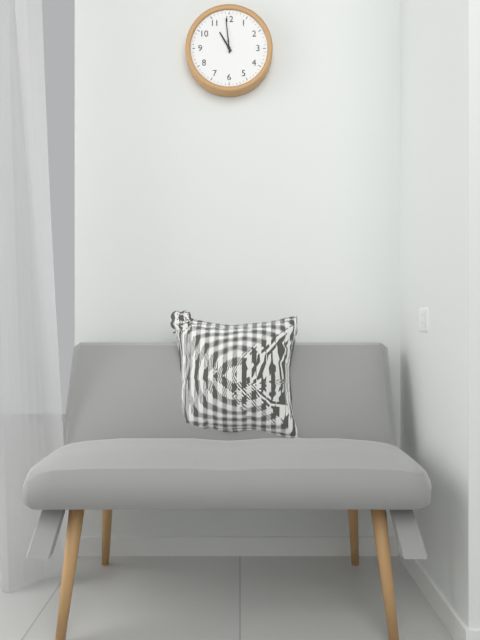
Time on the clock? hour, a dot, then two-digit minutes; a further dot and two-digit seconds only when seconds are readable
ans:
10.59
